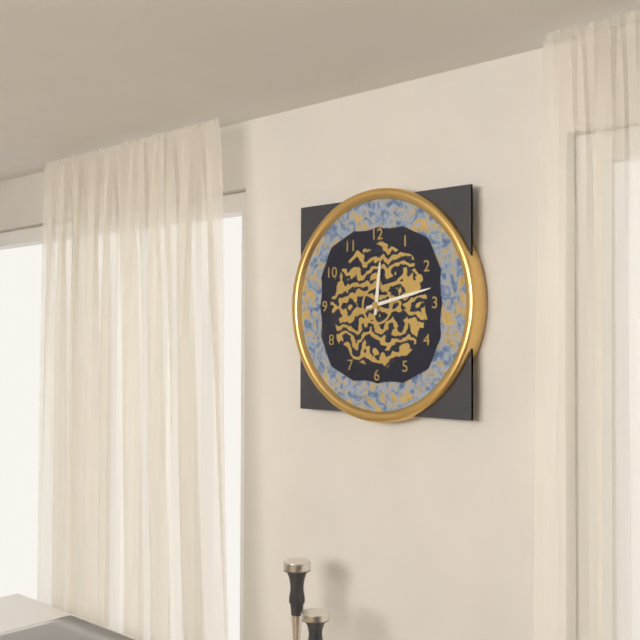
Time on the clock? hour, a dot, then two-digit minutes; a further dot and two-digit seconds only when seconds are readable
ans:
12.13
